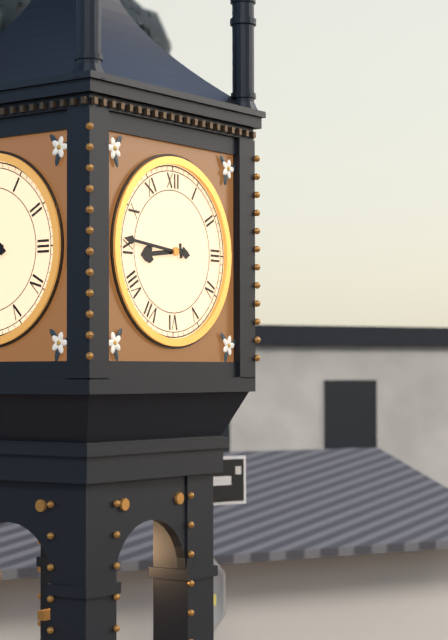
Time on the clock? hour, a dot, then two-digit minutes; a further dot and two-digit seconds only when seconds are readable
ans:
8.46
